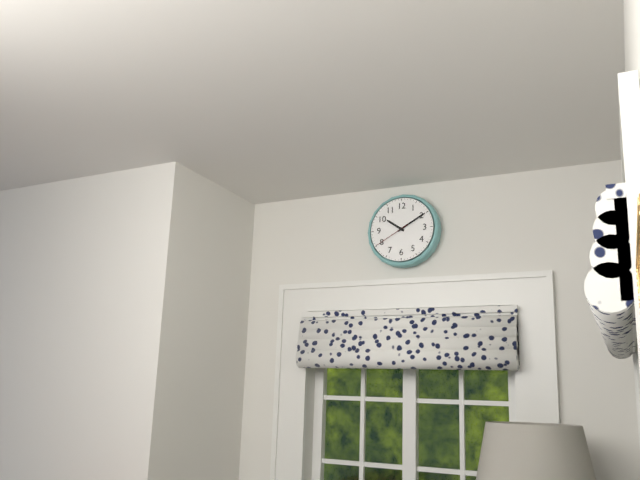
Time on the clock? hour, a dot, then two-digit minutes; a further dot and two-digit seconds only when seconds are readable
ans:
10.10
